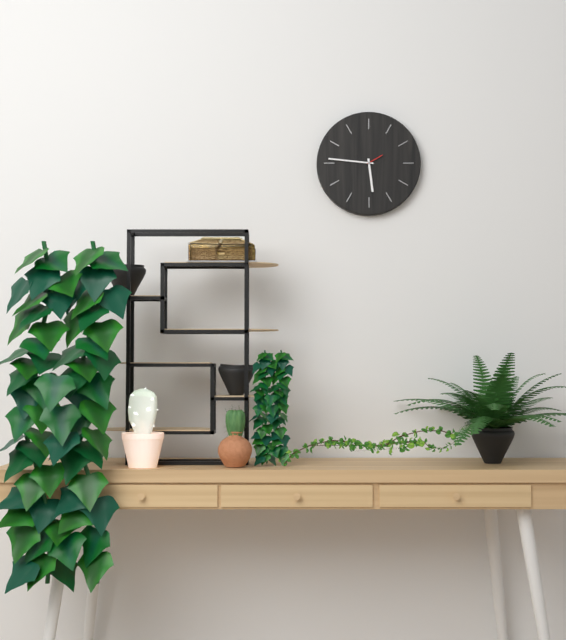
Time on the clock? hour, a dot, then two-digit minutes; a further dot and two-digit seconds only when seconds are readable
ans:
5.46
